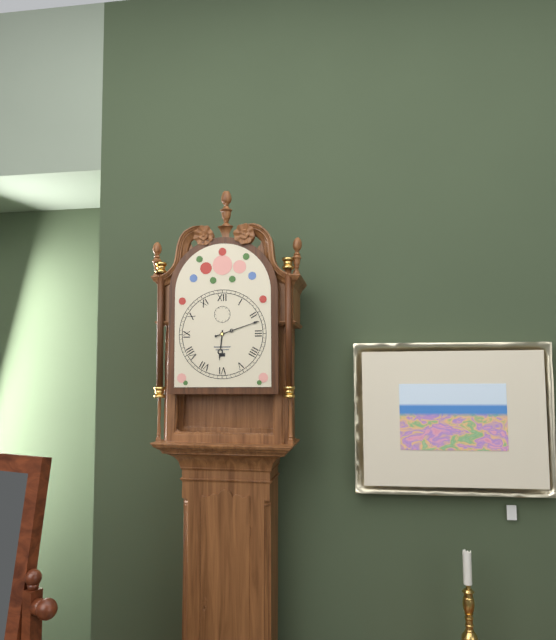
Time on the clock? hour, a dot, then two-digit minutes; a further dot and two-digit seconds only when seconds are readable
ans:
6.12
